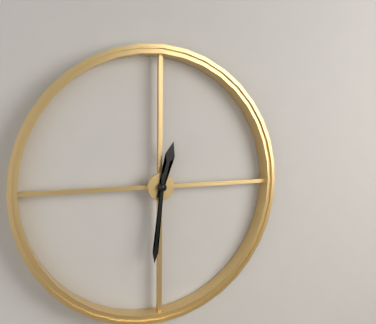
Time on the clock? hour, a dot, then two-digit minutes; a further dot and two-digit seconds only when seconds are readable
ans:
12.31
